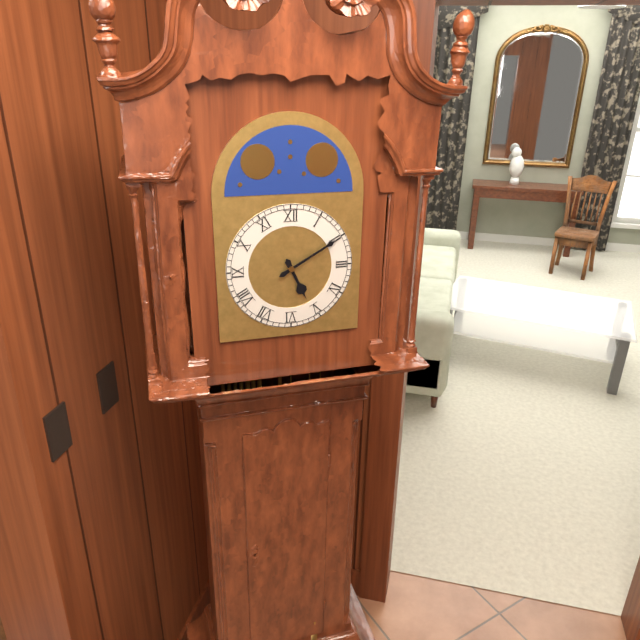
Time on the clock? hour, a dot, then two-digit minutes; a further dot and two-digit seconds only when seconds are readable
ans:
5.10
